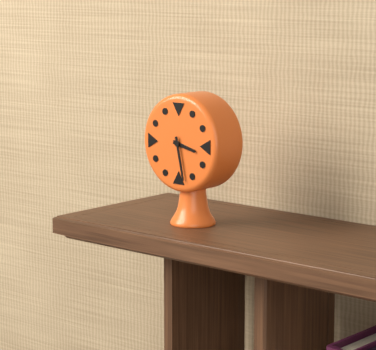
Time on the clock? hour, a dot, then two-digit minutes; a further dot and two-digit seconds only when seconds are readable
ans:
3.28
